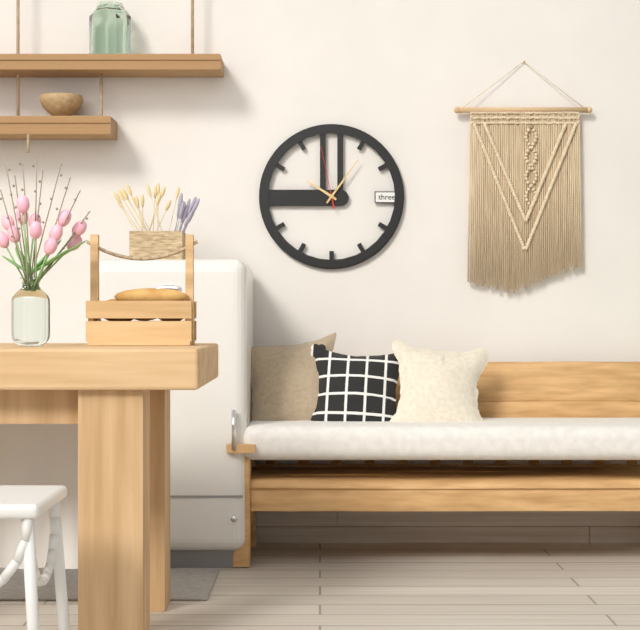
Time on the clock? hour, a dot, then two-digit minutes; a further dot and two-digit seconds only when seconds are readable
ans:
10.06.58
